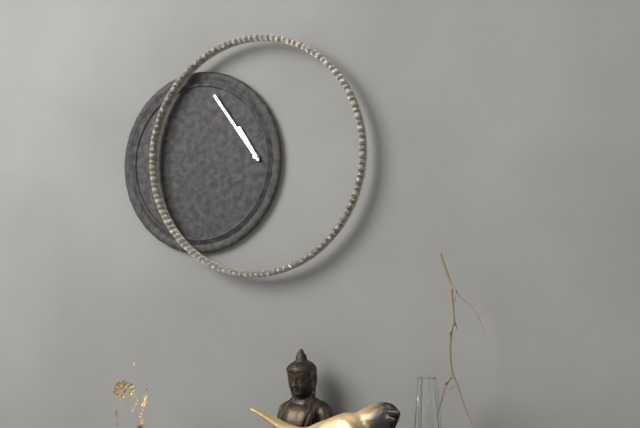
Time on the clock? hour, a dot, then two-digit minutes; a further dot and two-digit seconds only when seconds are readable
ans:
10.54
